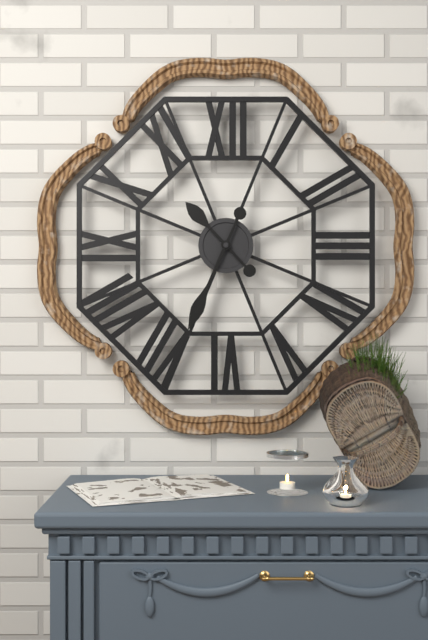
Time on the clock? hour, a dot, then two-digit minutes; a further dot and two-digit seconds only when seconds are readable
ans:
10.34
